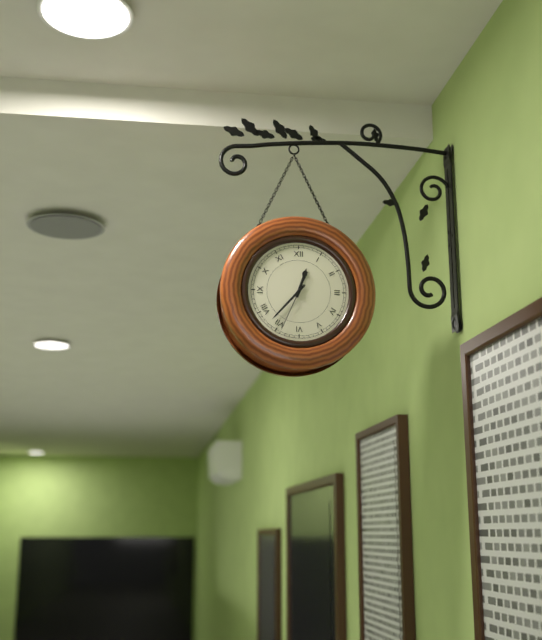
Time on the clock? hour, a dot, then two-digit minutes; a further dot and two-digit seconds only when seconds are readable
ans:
12.37
